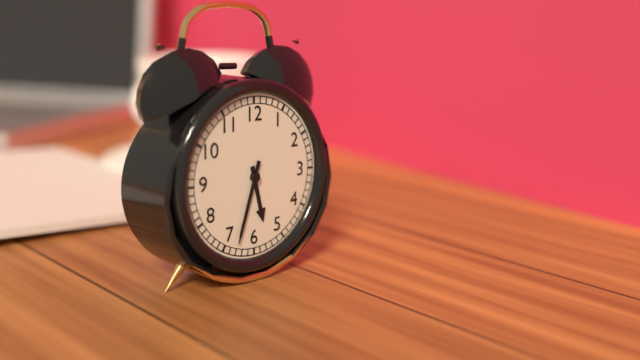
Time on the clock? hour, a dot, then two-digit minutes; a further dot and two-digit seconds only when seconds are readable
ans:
5.33
